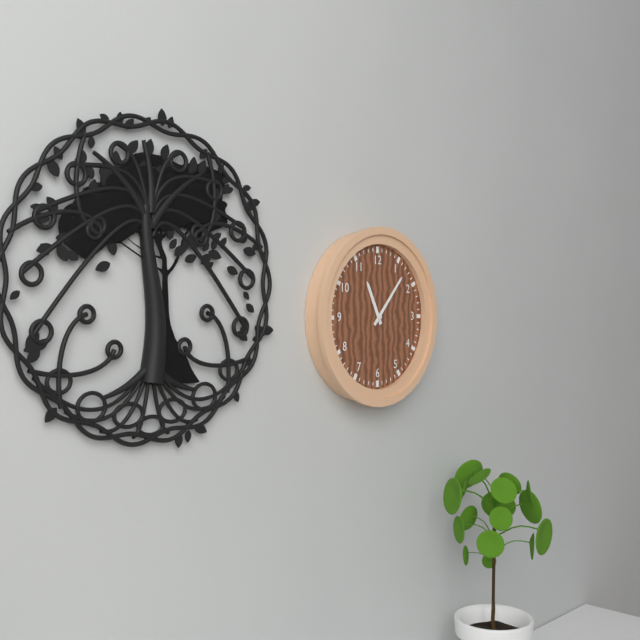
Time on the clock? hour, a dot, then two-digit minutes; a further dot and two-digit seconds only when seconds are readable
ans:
11.07
